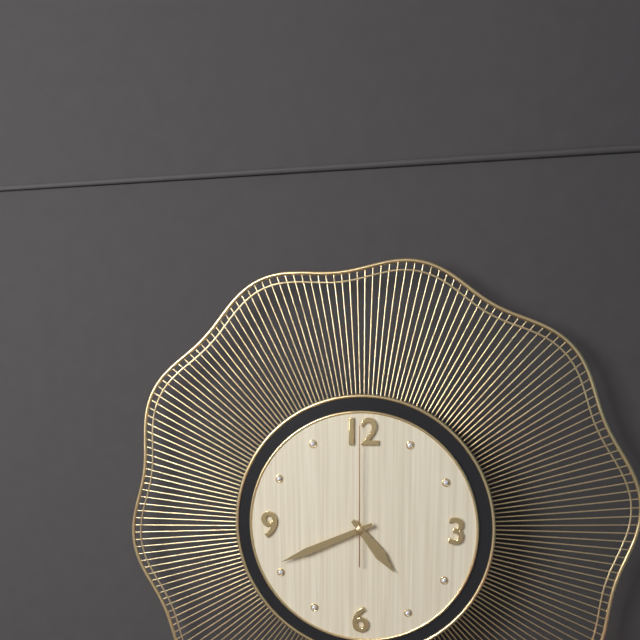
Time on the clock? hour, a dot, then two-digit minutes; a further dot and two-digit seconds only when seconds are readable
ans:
4.41.00
